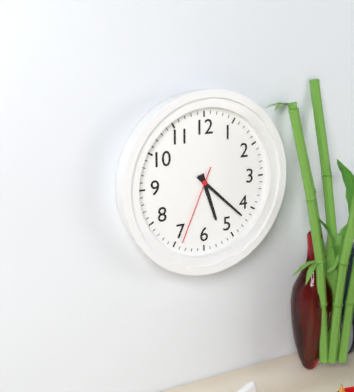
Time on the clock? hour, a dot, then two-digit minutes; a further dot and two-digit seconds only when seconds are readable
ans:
5.22.34
